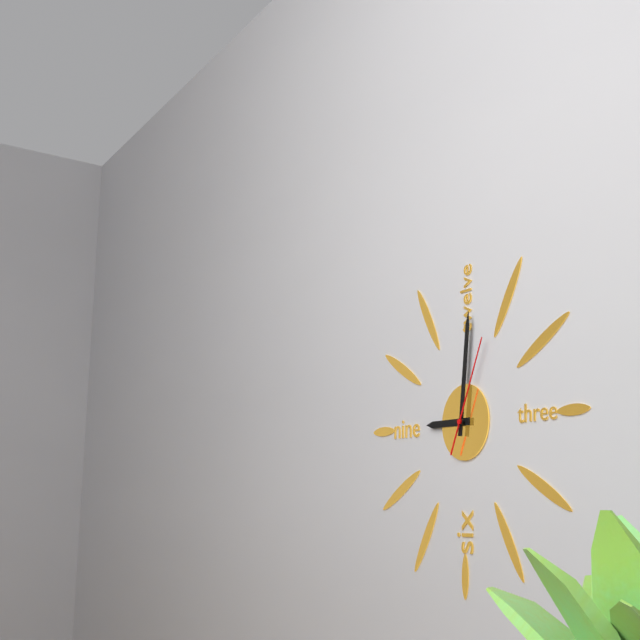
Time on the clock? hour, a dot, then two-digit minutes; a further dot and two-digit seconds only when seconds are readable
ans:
9.01.04
